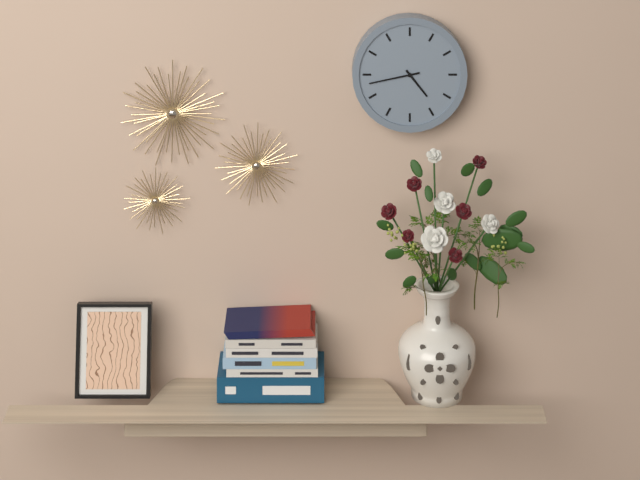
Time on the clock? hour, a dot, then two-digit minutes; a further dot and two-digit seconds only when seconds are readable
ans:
4.43
